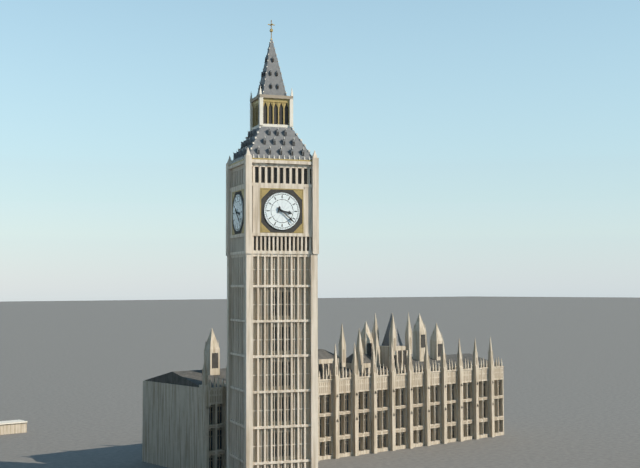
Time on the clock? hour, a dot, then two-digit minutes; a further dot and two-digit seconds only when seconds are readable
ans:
3.22
